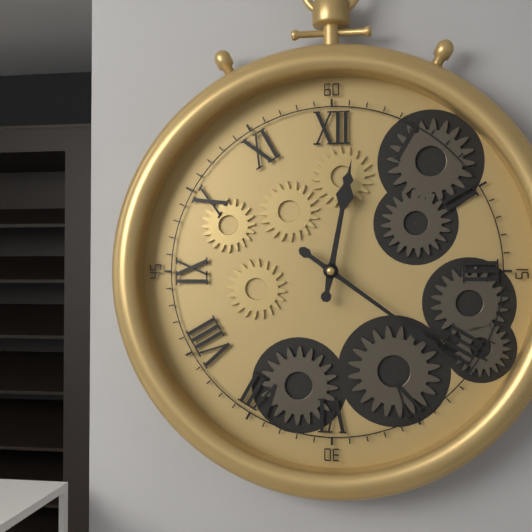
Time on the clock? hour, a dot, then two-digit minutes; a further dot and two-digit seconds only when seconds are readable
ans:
12.21
